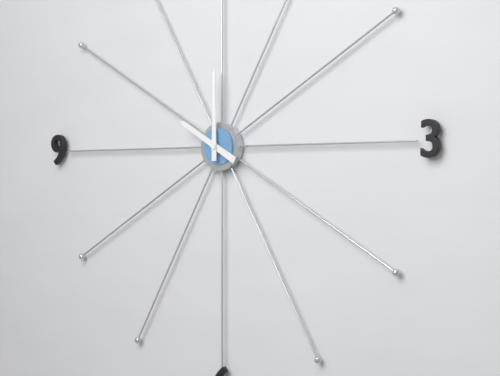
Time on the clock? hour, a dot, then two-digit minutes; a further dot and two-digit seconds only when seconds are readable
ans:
10.00
